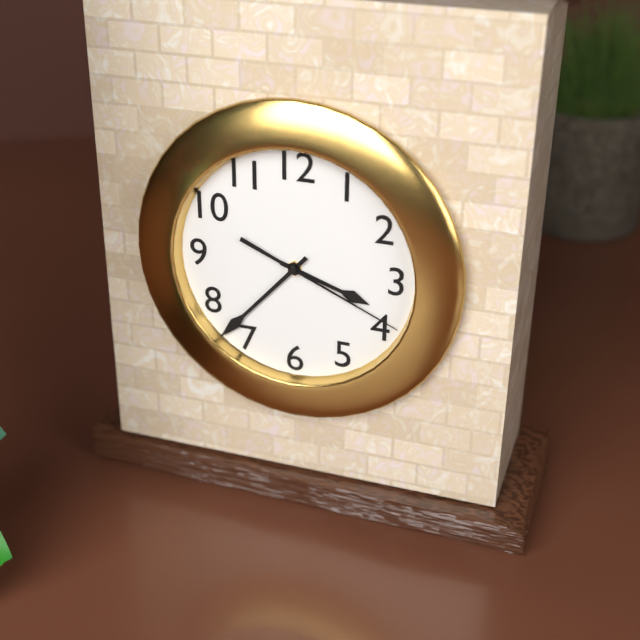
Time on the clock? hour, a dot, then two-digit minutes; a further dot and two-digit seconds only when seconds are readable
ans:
3.37.19
